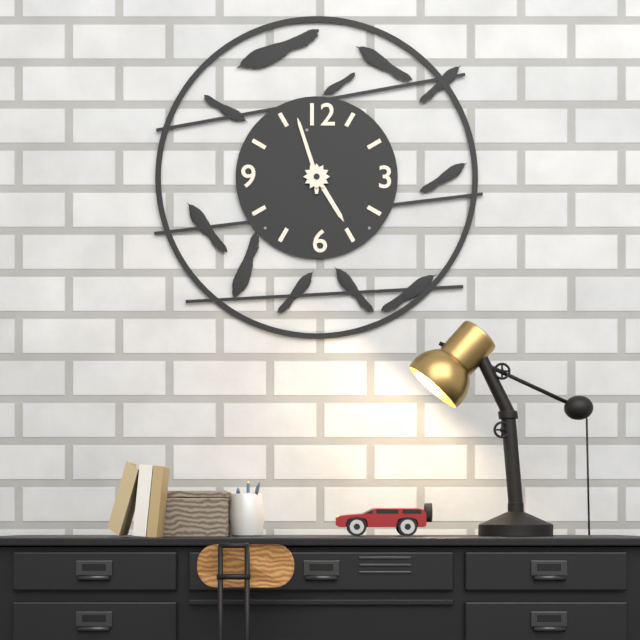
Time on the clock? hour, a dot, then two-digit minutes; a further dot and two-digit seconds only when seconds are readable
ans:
4.57
